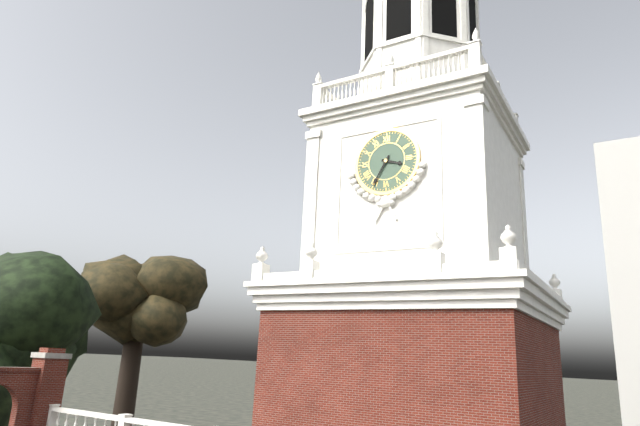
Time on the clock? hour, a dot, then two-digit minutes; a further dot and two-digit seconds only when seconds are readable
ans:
3.35
